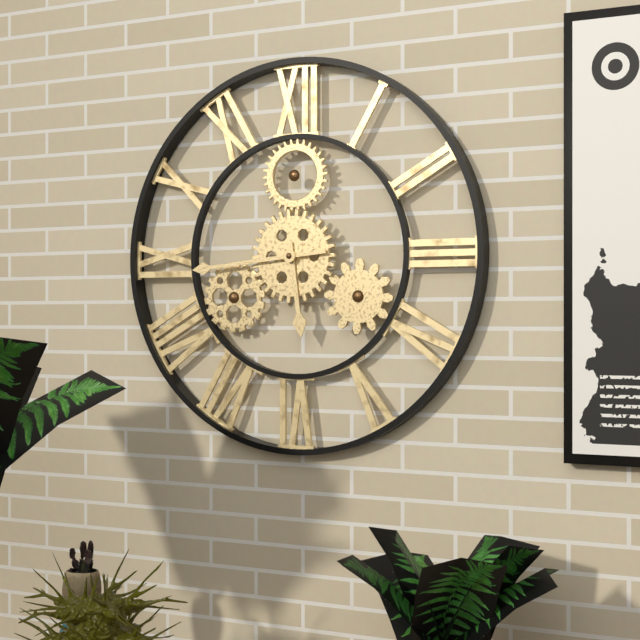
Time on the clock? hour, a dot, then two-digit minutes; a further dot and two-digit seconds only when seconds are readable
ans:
5.44
